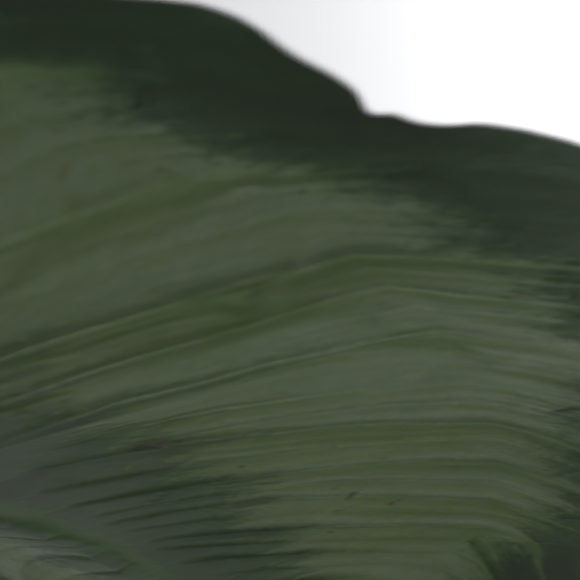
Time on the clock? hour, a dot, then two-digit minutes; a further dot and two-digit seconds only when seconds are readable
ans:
2.33
